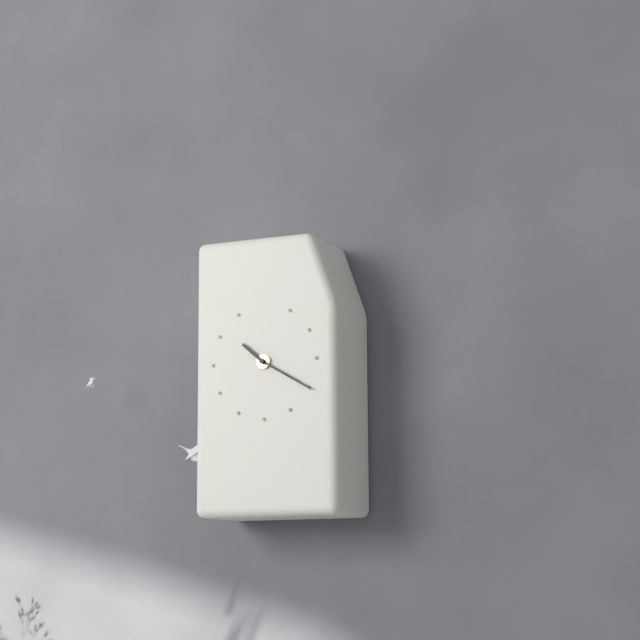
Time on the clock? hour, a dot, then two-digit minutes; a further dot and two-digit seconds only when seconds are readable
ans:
10.20
